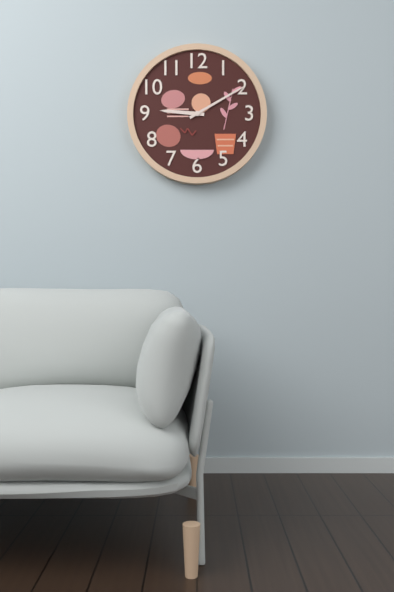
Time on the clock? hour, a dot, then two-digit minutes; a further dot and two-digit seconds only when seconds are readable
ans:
9.10
